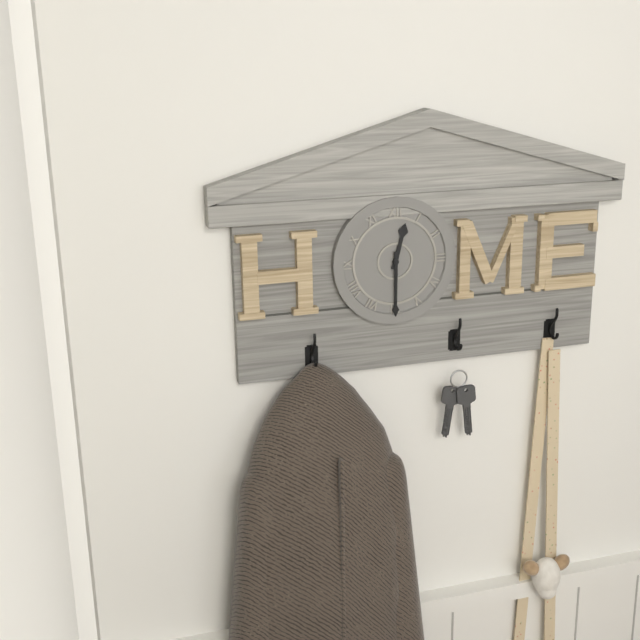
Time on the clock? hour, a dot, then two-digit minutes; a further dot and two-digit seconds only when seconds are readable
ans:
12.30
